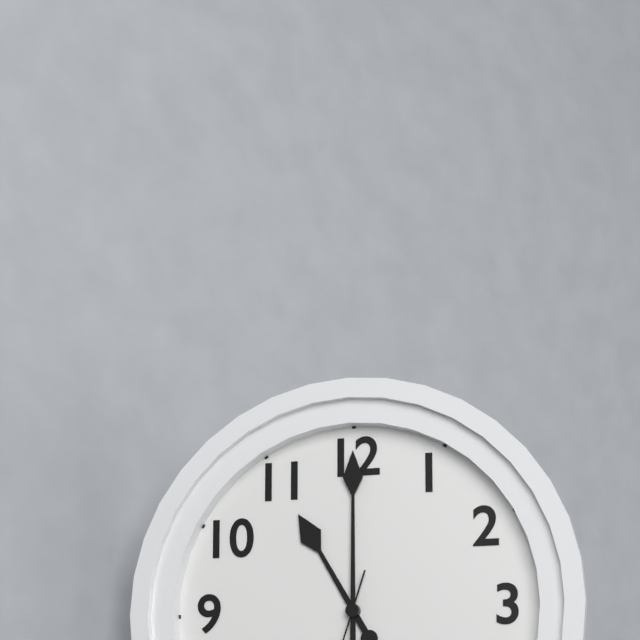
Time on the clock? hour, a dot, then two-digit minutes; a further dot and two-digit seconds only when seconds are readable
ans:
11.00
